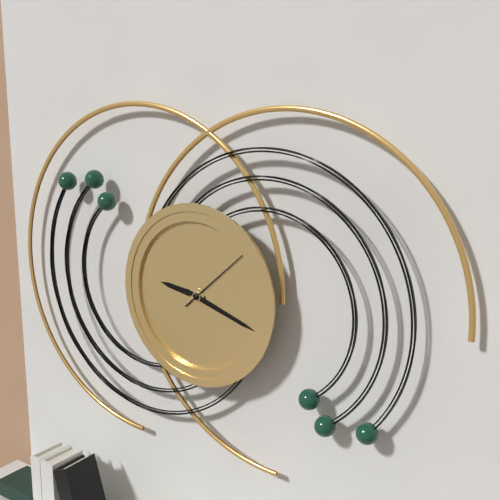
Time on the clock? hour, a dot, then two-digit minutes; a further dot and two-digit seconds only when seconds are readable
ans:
9.18.08
